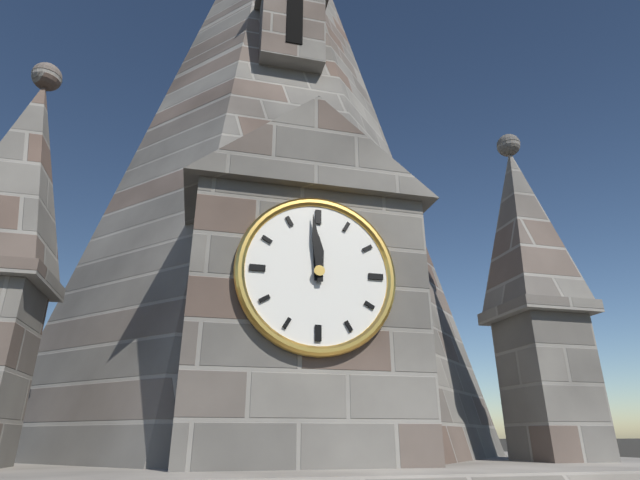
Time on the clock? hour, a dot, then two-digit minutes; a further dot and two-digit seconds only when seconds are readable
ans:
11.59
